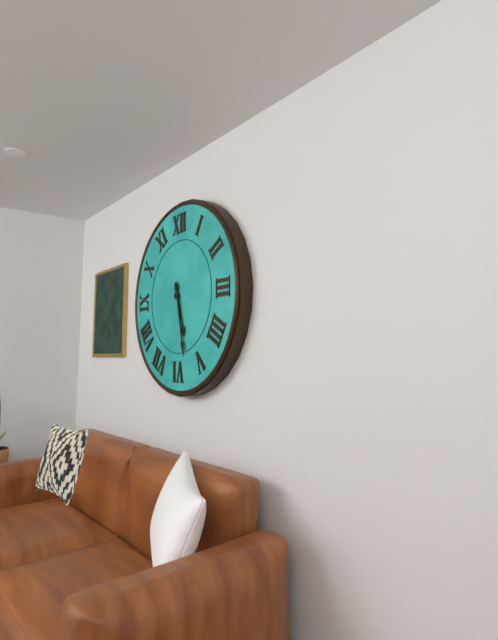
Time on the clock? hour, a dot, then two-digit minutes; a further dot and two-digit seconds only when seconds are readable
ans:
5.28
